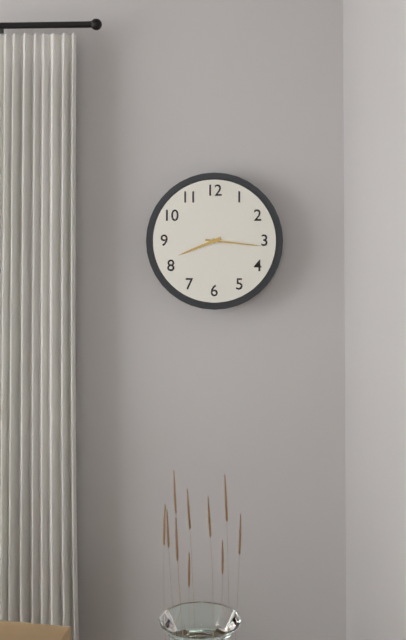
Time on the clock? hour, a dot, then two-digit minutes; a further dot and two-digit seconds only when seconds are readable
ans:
8.16
